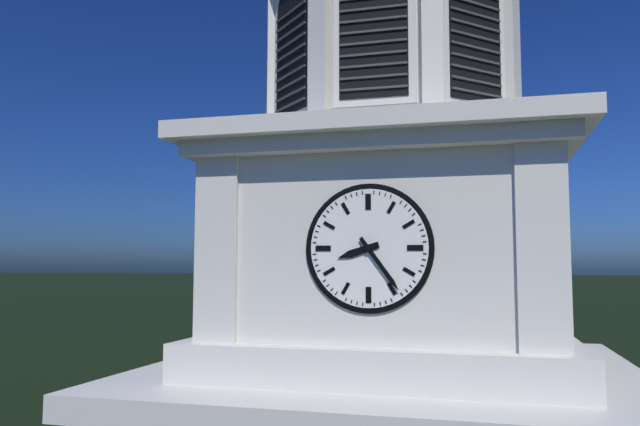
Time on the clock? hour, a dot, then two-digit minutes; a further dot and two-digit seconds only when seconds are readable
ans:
8.24
